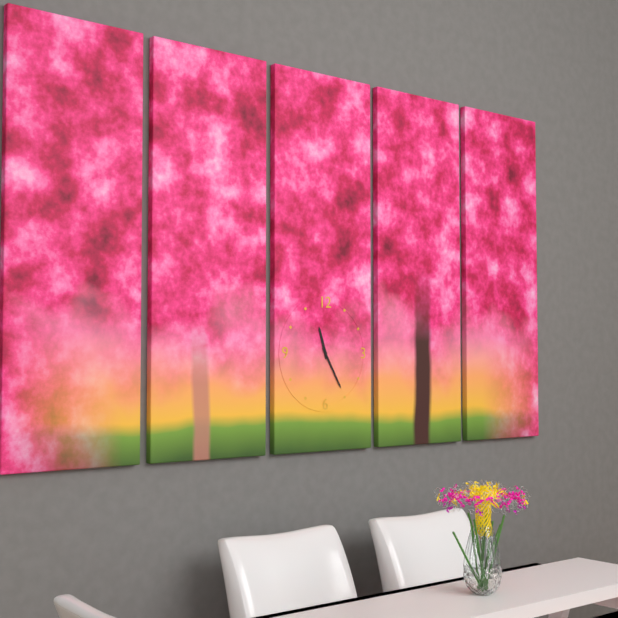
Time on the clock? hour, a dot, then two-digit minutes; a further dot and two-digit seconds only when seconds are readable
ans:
11.25
